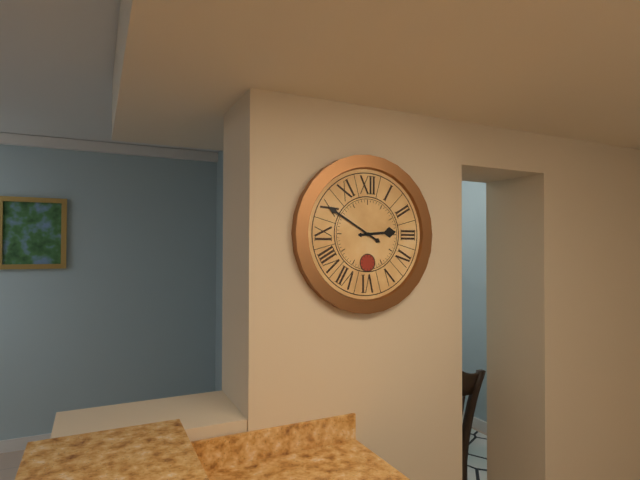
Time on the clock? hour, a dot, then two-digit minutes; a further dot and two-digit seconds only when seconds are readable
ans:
2.50
